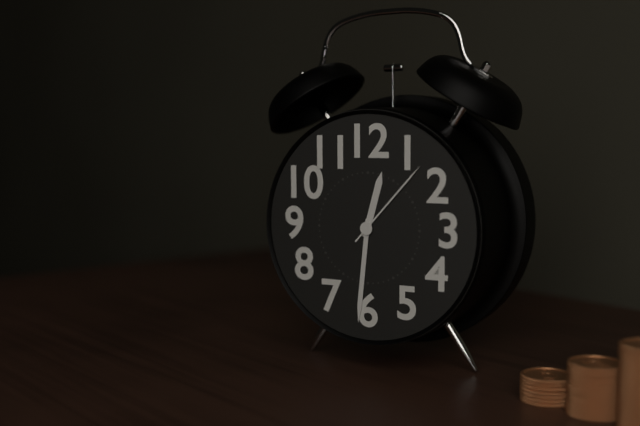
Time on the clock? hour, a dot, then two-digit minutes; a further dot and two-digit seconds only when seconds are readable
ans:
12.31.07
